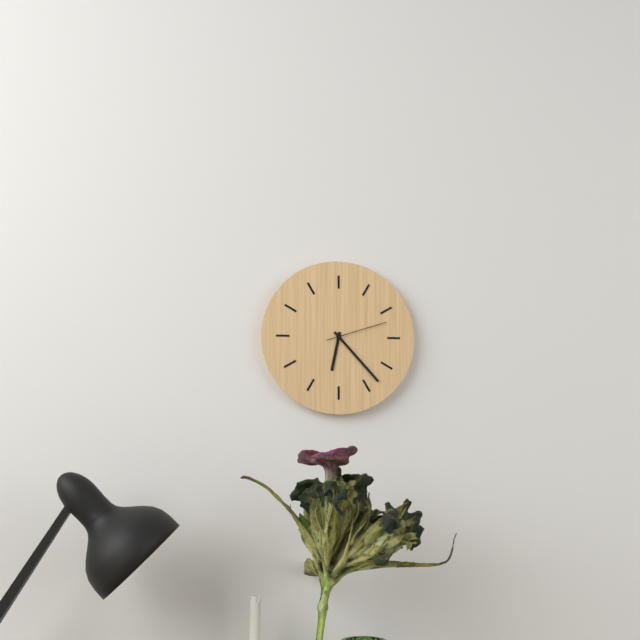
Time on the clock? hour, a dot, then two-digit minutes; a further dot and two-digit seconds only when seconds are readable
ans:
6.23.12
